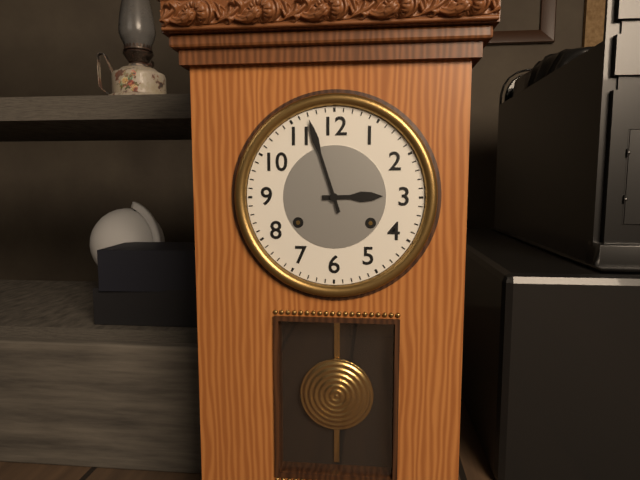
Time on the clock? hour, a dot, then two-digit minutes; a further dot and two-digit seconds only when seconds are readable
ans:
2.57
